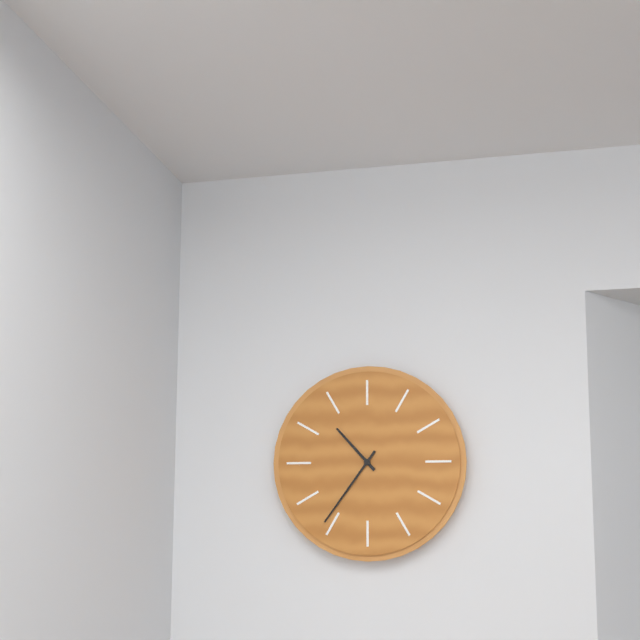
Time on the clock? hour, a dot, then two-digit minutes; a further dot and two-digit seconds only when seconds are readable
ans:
10.36
